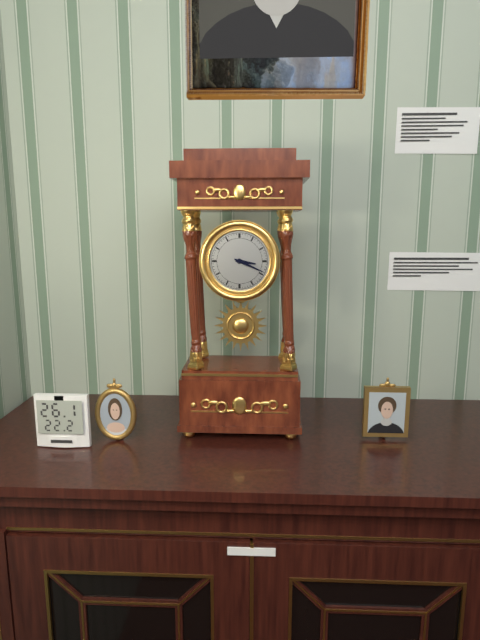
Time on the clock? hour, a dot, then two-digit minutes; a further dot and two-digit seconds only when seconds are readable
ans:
3.19
